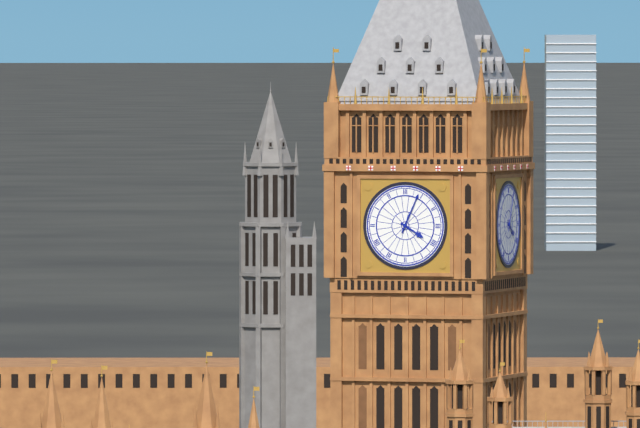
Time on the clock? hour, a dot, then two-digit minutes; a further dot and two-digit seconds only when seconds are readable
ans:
4.04
